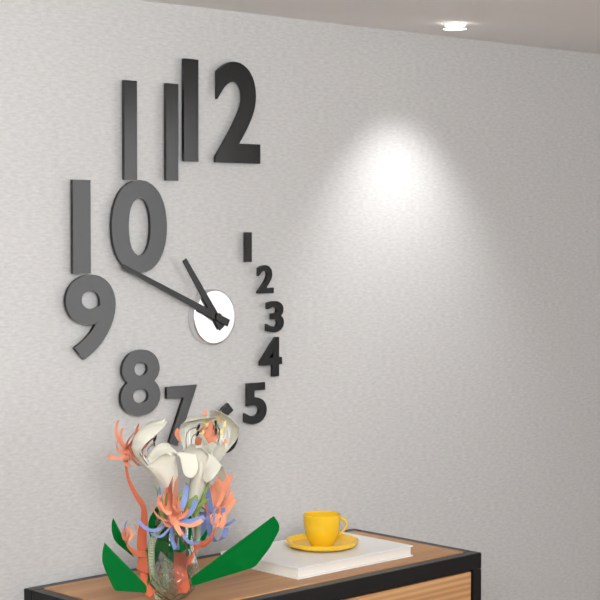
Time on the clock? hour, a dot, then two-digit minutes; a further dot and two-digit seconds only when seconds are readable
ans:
10.49
